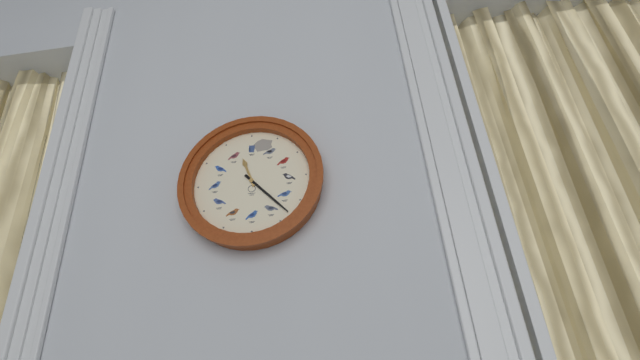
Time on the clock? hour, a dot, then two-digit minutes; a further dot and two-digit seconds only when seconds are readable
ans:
11.23
